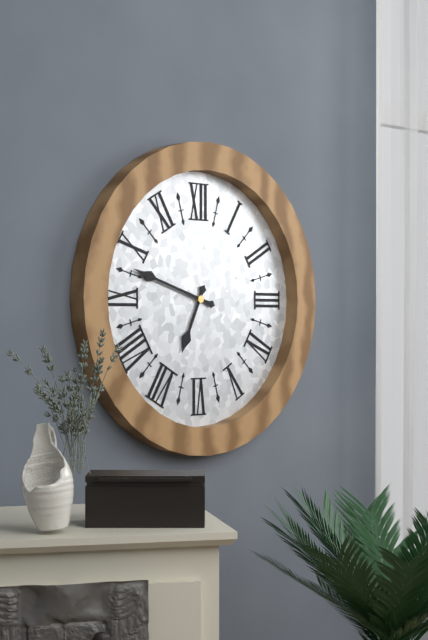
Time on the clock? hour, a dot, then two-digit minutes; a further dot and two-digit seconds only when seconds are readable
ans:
6.48
